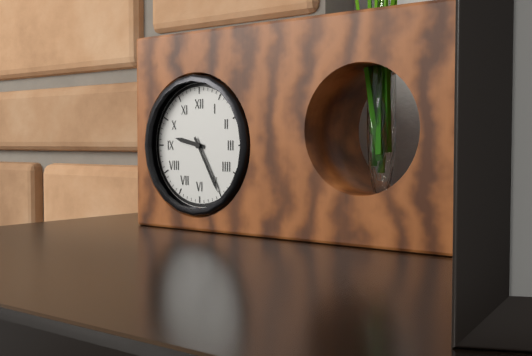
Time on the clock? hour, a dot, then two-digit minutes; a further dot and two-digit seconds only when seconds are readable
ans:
9.25
